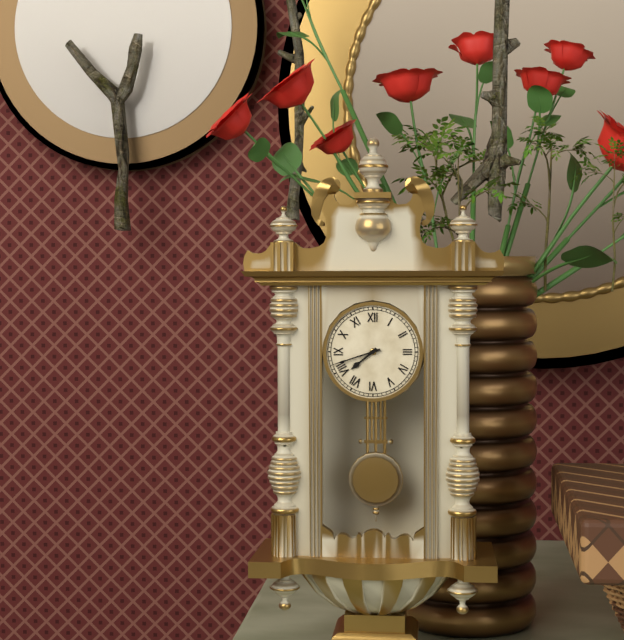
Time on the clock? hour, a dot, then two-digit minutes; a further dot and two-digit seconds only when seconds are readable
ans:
7.42
